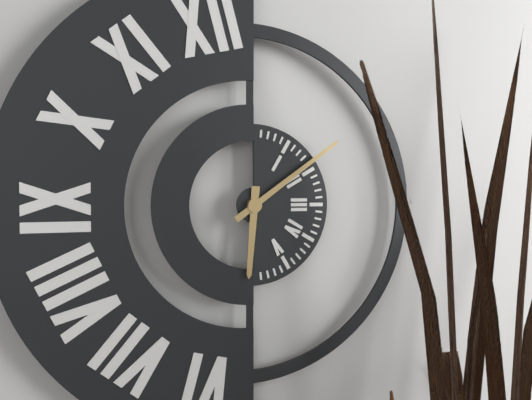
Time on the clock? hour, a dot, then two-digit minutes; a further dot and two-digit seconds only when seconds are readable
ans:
6.09
